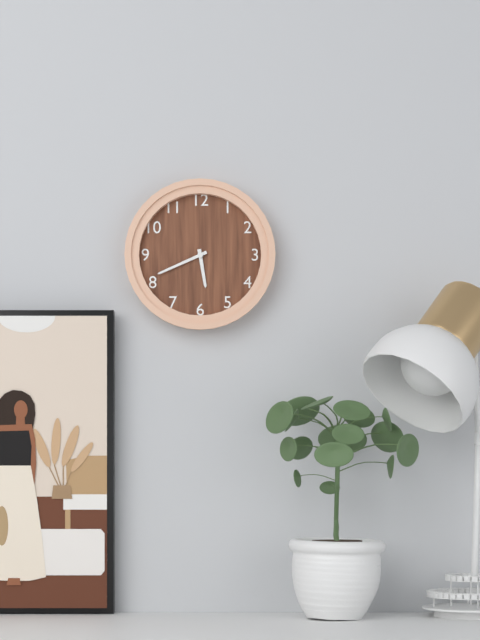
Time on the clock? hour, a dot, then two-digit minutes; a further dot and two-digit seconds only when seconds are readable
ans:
5.41
